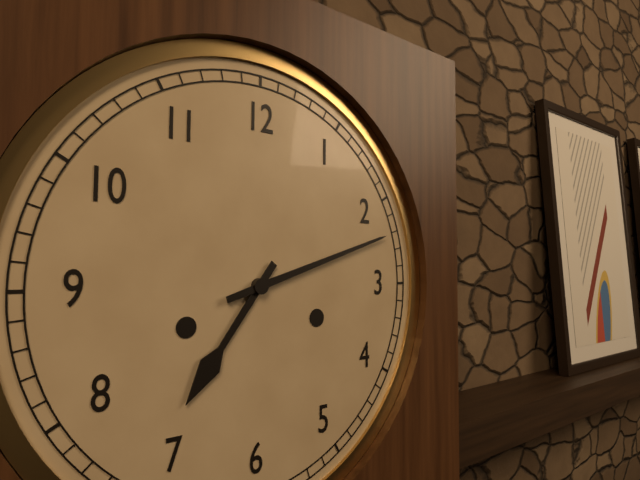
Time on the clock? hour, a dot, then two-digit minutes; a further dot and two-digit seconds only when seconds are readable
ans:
7.12
